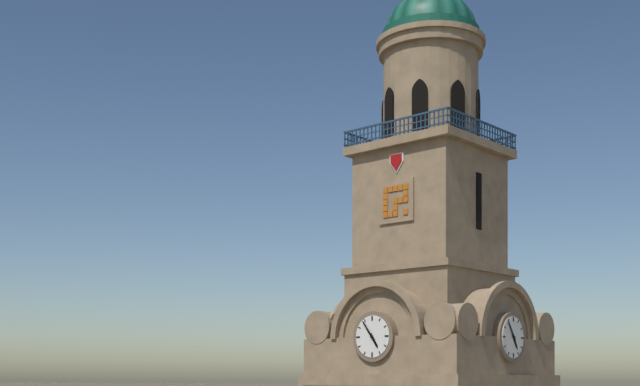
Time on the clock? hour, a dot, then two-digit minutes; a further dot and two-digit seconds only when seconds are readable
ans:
4.54
